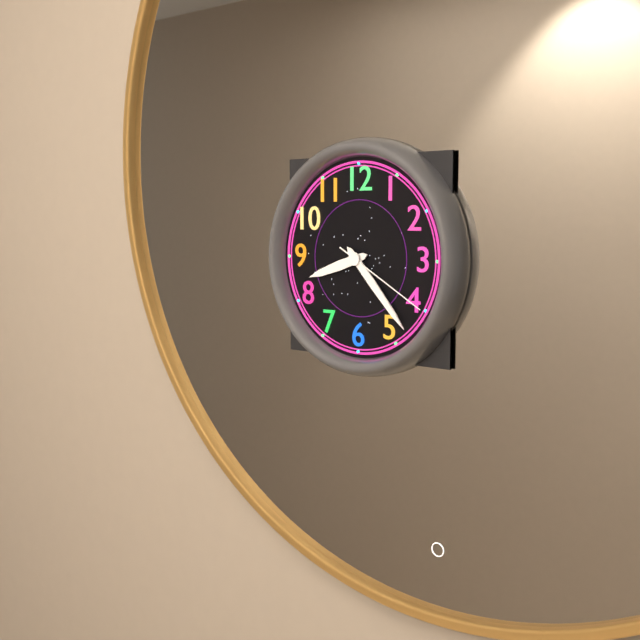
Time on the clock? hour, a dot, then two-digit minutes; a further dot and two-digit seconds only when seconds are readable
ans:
8.23.20
